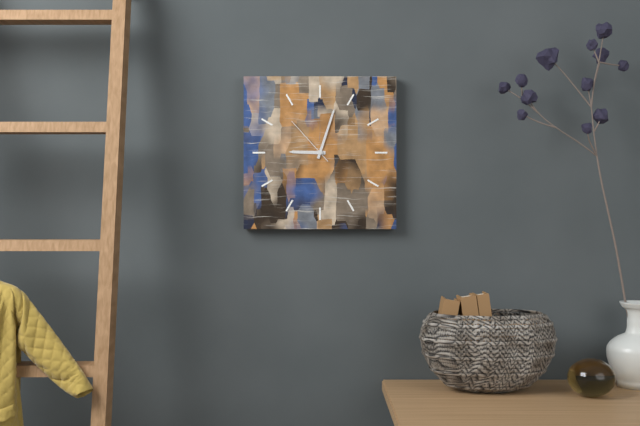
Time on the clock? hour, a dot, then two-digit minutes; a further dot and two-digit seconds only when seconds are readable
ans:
9.03.53
